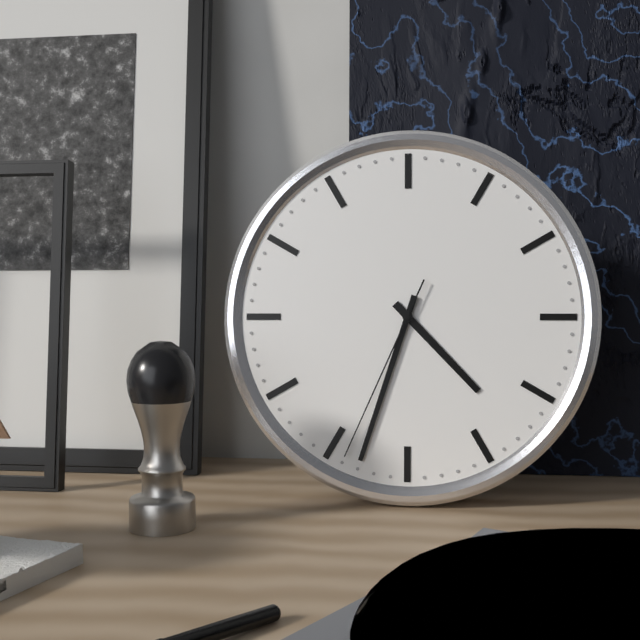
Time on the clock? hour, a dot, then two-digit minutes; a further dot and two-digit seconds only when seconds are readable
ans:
4.33.34
